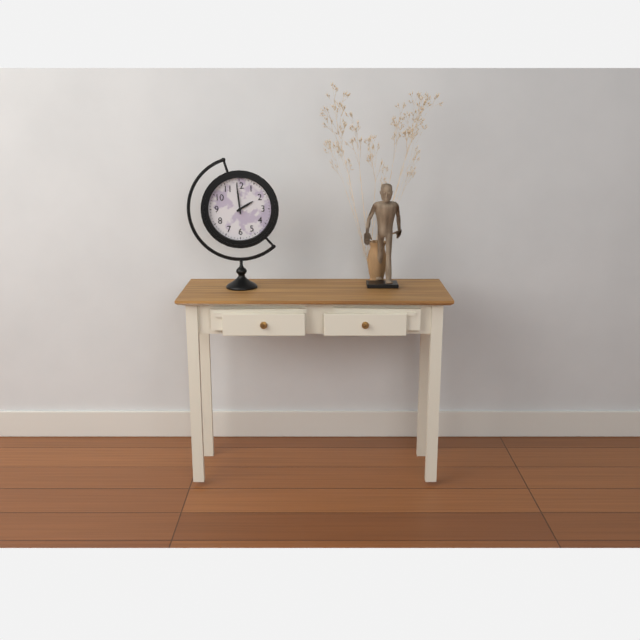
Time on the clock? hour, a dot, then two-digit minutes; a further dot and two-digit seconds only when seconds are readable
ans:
1.59
